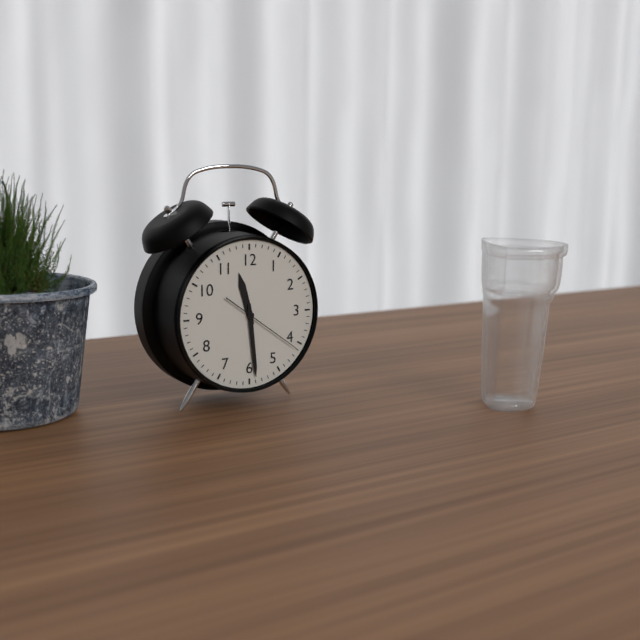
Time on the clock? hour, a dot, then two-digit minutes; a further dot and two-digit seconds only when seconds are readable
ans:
11.29.21
